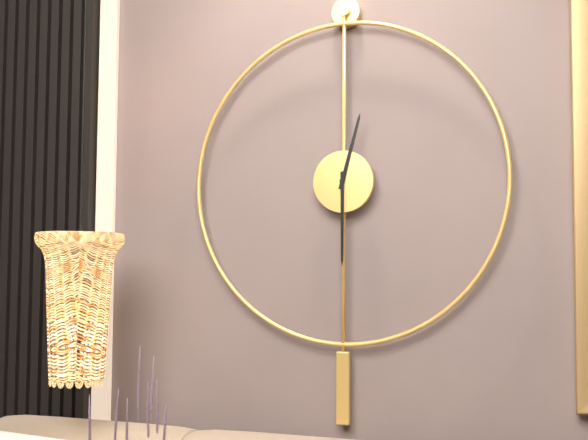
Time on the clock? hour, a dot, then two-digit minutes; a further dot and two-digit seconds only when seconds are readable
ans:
12.30
